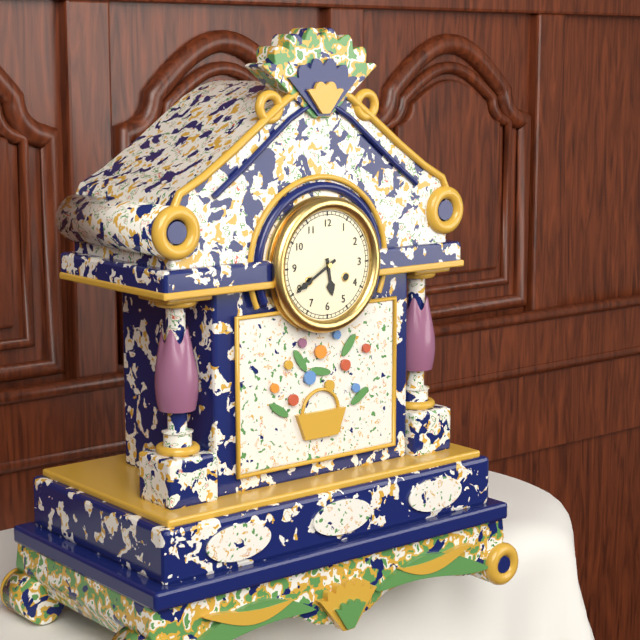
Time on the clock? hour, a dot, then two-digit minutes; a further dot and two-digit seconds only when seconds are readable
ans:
5.40
